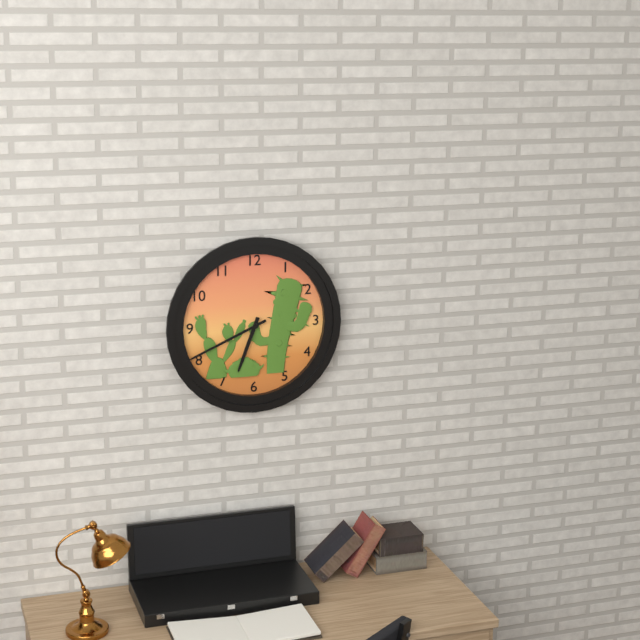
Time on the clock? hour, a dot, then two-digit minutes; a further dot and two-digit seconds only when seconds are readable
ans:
6.41
